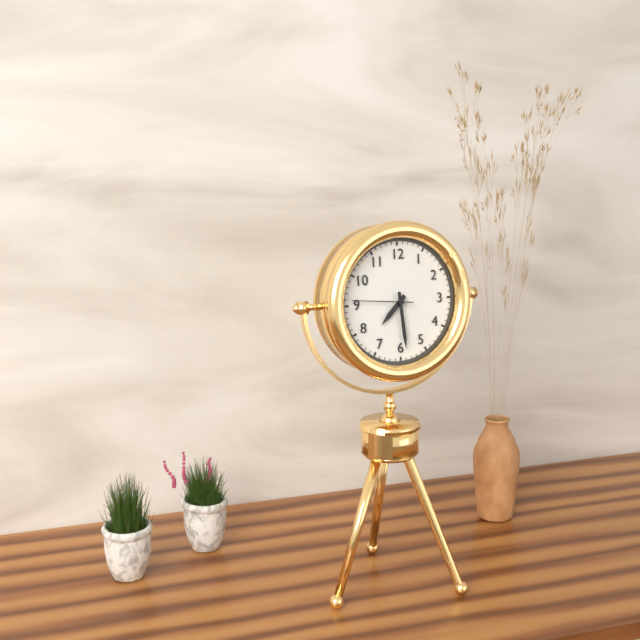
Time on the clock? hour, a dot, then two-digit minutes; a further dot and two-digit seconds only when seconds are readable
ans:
7.29.46
